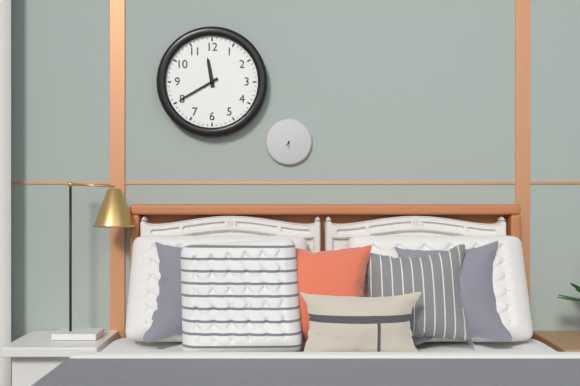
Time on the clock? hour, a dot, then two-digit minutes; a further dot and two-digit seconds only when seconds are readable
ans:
11.40
